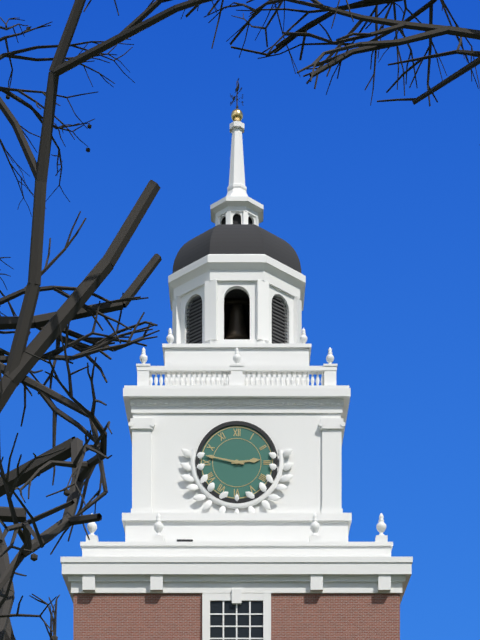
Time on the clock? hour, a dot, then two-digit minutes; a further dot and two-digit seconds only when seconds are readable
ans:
2.47
